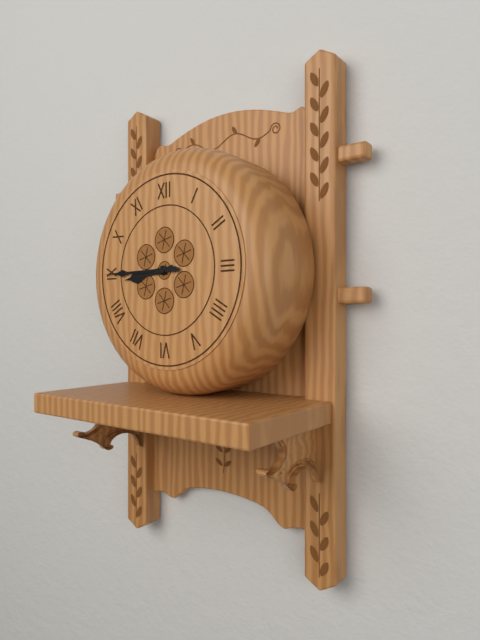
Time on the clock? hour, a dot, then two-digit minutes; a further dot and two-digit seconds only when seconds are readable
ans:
8.45
